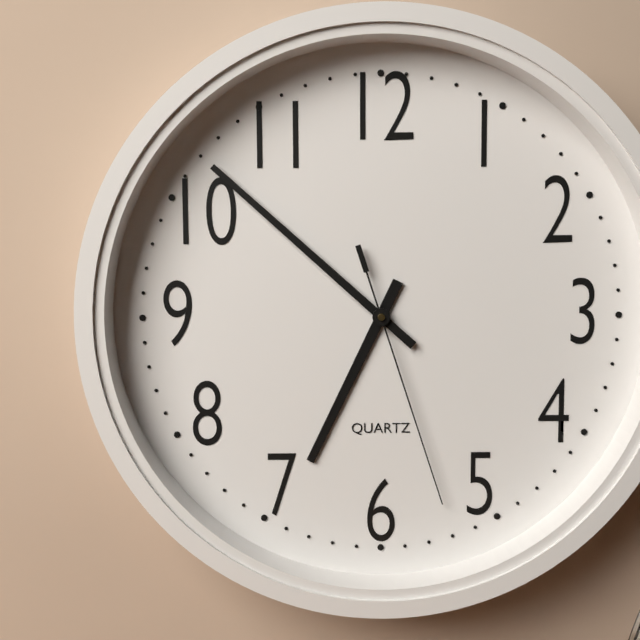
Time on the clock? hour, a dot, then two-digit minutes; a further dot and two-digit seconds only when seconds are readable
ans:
6.52.27
